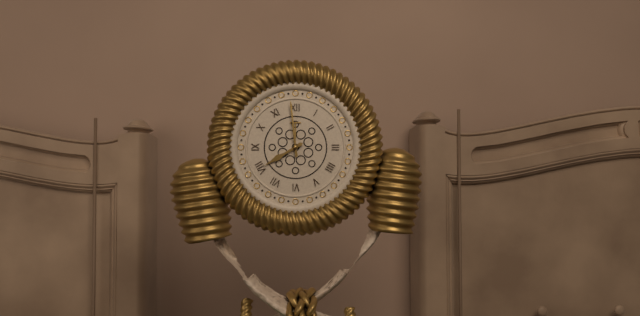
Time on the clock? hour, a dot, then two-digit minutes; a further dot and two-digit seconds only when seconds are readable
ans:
7.59
